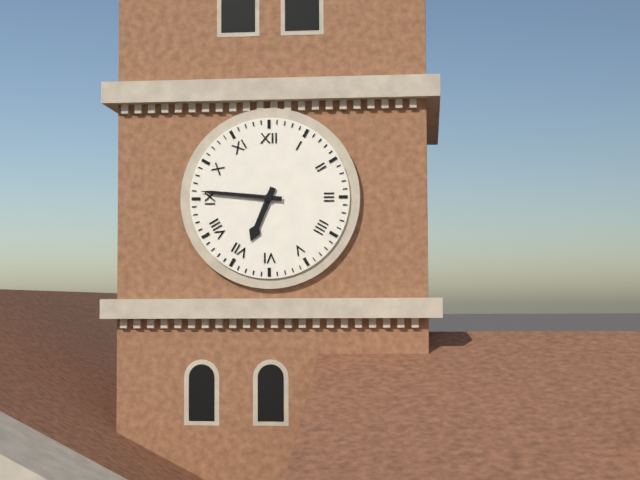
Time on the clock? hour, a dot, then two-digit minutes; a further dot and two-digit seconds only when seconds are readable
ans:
6.46
